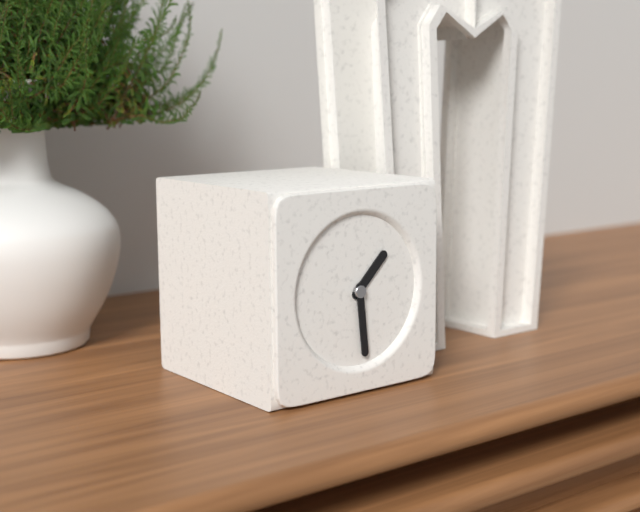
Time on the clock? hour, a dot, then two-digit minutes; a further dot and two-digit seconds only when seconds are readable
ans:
1.29
